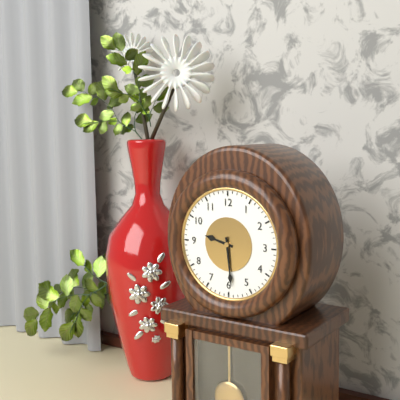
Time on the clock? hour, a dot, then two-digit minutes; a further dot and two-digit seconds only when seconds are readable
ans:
9.29
